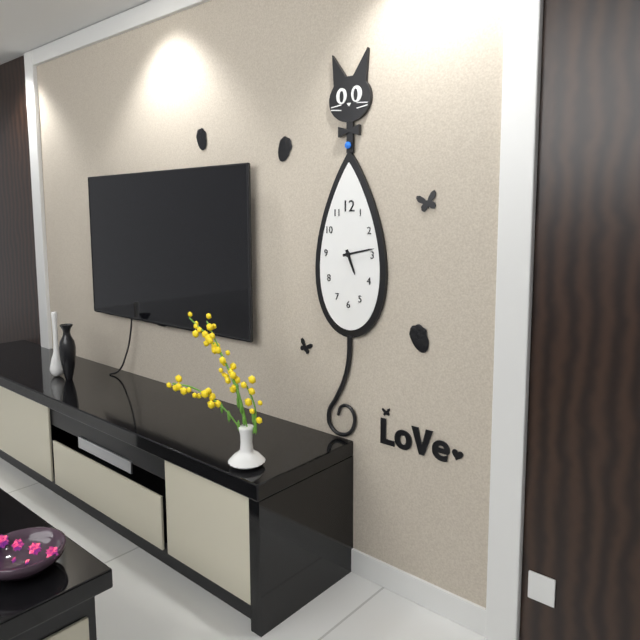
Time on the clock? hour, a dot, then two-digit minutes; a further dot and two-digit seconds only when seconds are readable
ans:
5.13
